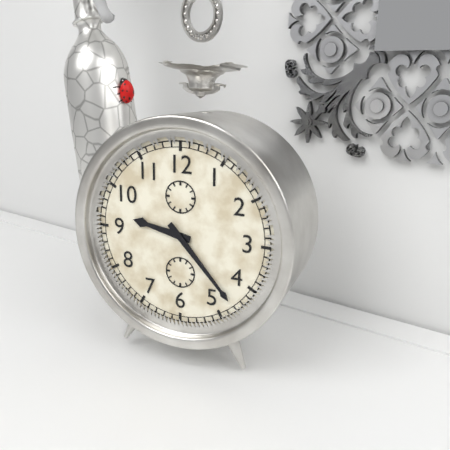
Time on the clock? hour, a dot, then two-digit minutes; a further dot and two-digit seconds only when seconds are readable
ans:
9.23
